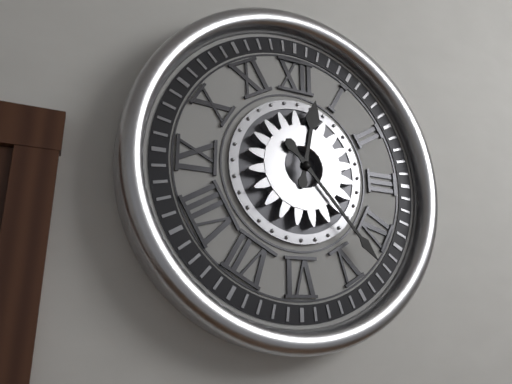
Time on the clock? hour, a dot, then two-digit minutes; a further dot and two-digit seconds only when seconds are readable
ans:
12.23
